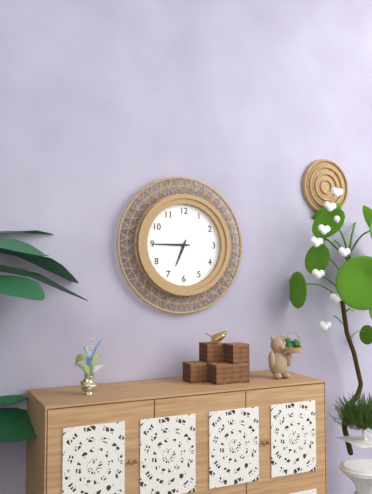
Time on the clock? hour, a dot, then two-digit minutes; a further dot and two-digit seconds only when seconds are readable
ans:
6.45
